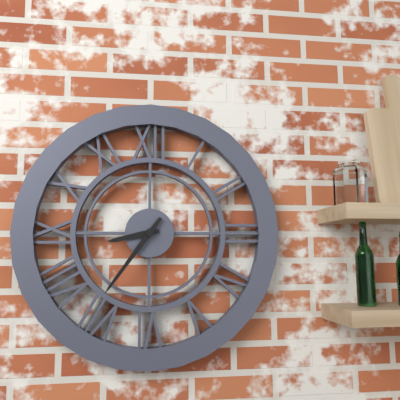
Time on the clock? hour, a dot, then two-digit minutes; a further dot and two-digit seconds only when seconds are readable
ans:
8.36
